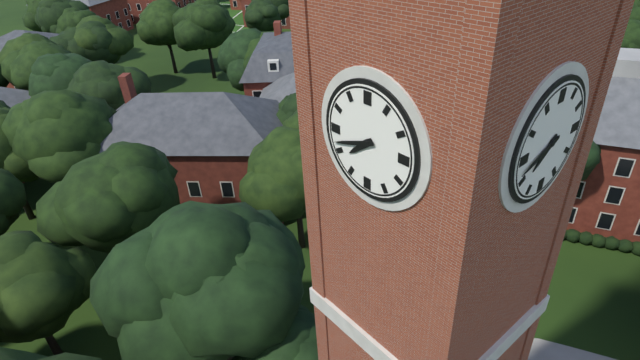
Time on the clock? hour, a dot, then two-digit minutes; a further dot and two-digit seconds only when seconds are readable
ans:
7.42
